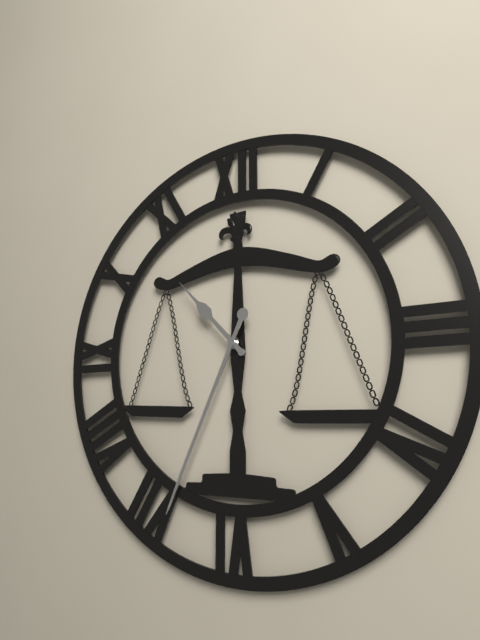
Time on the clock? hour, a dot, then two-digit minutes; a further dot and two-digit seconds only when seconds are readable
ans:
10.34
